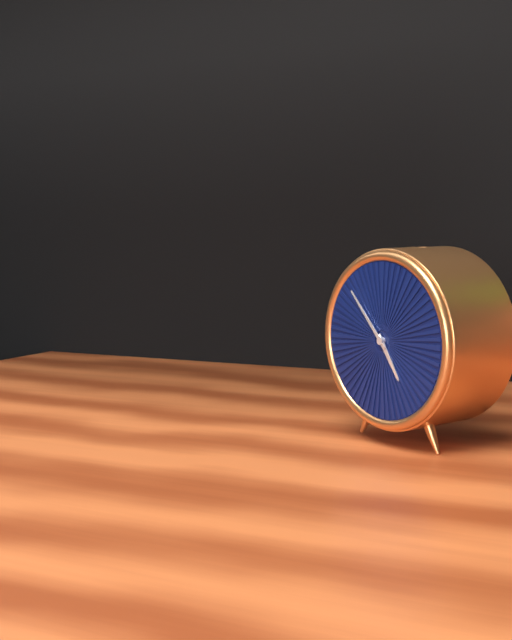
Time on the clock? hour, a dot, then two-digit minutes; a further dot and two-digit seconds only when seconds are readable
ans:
4.53
